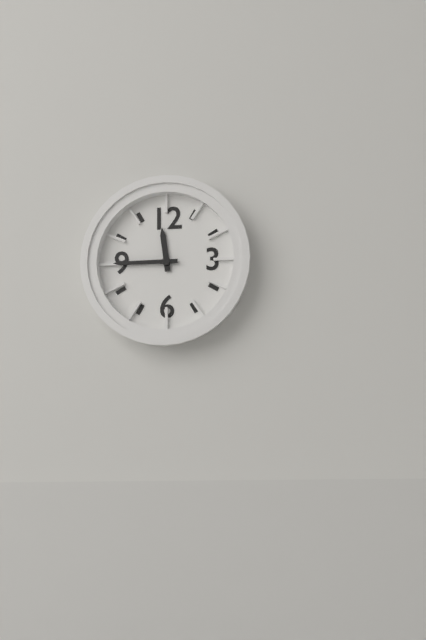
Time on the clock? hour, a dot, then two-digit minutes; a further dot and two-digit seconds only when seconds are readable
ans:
11.45
